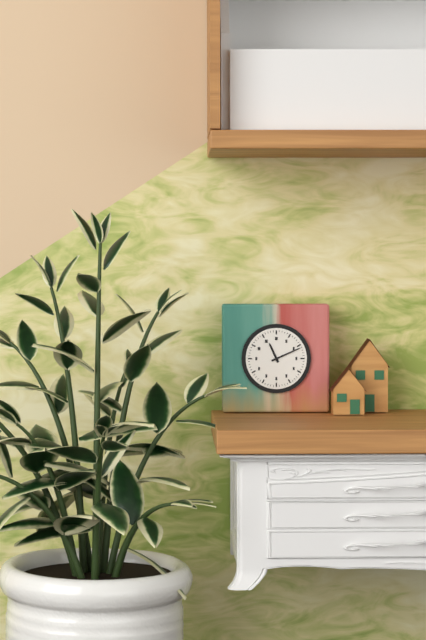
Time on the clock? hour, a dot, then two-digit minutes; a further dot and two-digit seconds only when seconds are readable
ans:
11.11
